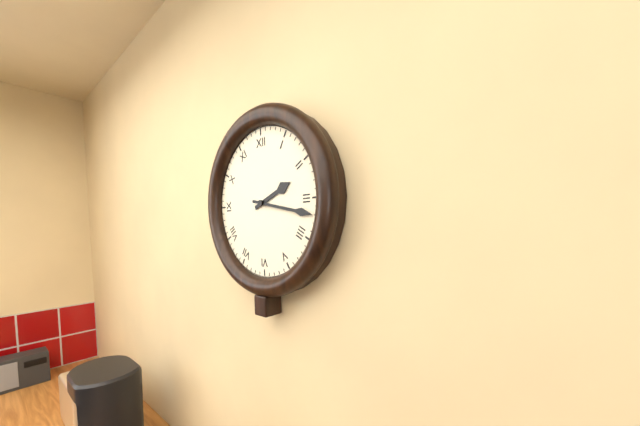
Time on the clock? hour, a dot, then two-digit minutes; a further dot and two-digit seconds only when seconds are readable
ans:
2.17
